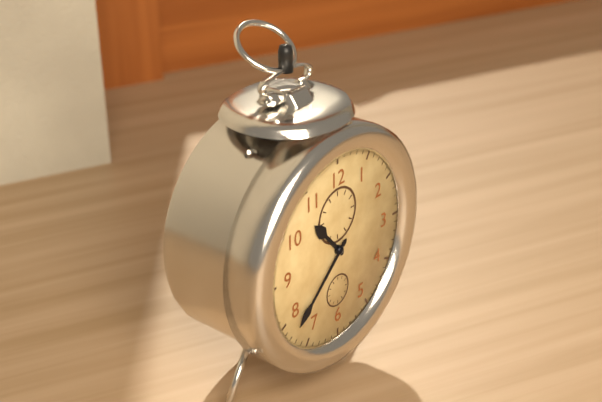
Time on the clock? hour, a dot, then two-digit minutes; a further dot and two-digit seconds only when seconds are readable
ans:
10.38
